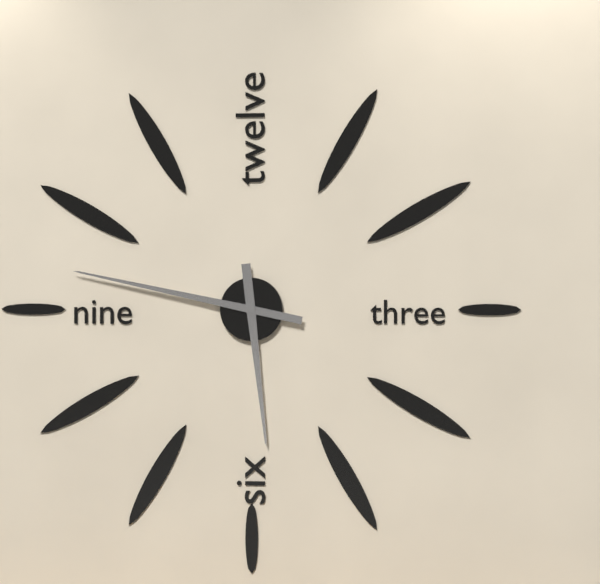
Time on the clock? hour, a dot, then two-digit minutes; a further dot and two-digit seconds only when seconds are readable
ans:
5.47
